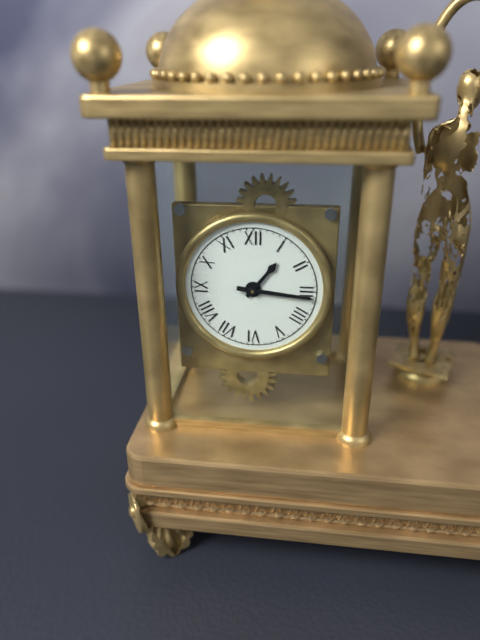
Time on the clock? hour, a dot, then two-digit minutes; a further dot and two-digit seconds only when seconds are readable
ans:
1.16
